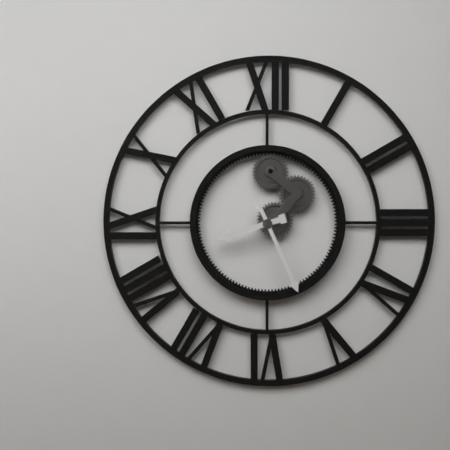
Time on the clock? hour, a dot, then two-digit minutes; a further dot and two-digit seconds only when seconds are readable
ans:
8.26
